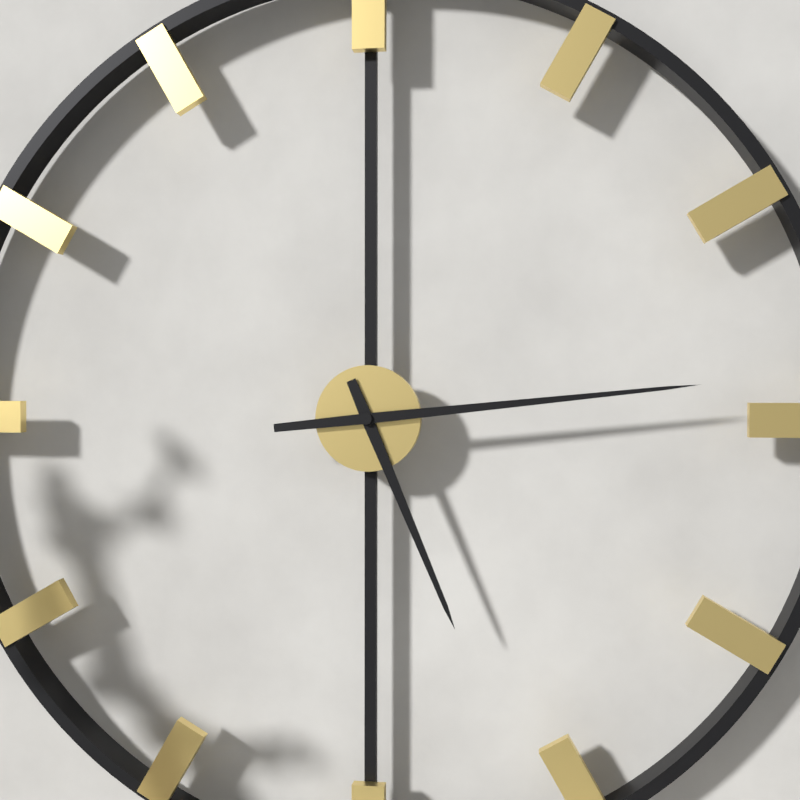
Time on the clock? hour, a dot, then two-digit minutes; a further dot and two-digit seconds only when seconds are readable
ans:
5.14
